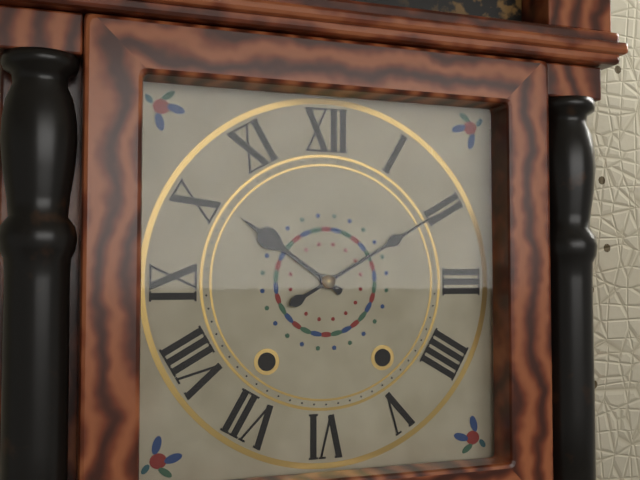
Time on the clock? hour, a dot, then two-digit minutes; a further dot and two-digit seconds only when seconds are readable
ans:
10.10
